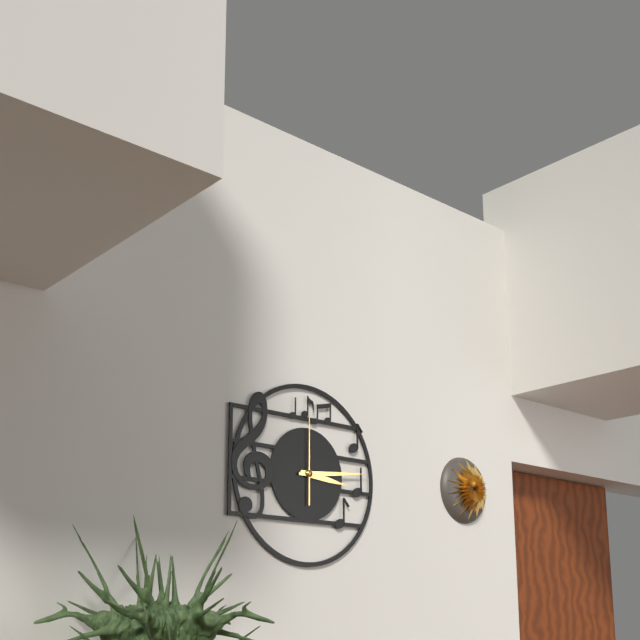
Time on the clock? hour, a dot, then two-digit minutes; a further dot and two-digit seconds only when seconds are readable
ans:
3.14.00
